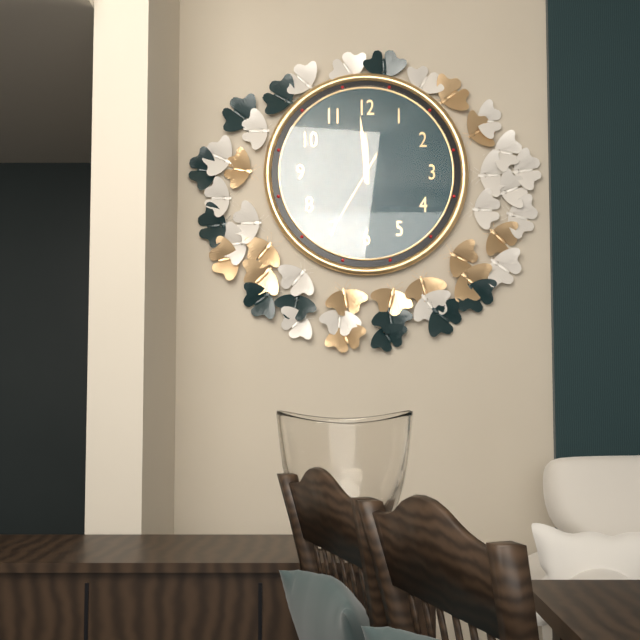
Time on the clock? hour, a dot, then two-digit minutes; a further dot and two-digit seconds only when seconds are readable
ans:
11.59.35
